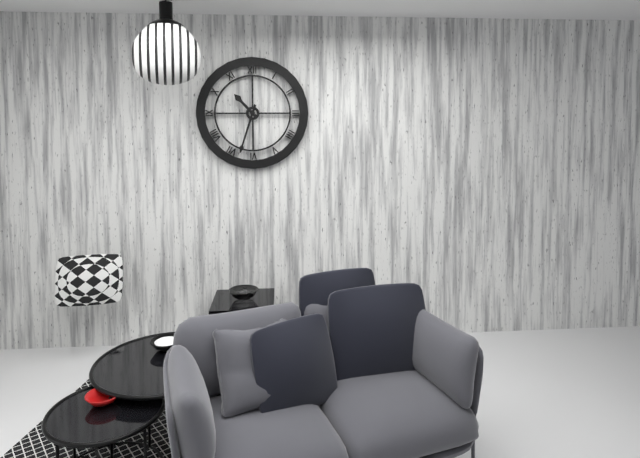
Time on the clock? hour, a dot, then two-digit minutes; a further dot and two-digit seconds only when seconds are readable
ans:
10.33
